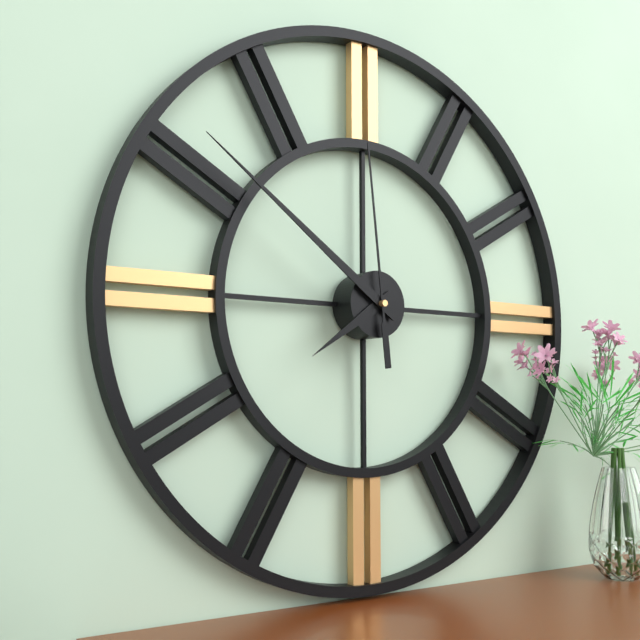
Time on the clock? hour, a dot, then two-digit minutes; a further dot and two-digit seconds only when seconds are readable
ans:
7.51.59
